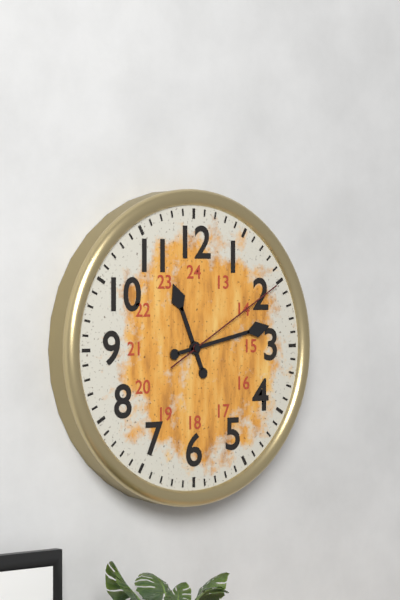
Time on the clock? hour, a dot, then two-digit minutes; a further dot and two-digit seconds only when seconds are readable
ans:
11.13.10
